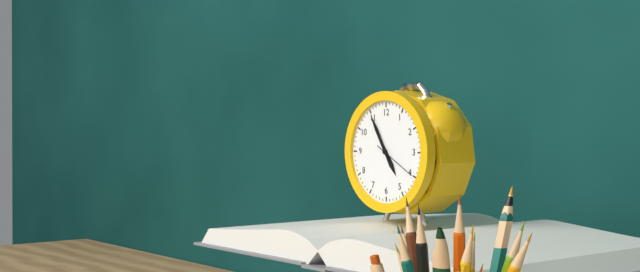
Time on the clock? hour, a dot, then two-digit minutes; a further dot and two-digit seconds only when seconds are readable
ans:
4.55
